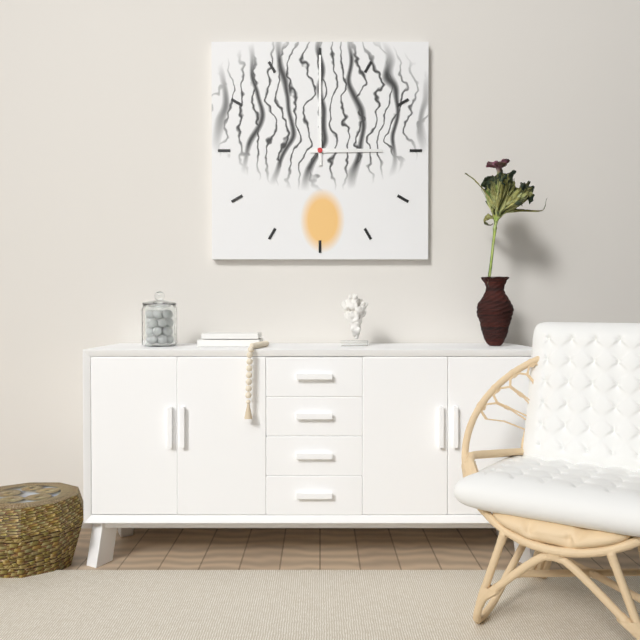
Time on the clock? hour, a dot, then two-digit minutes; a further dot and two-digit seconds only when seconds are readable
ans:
3.00
